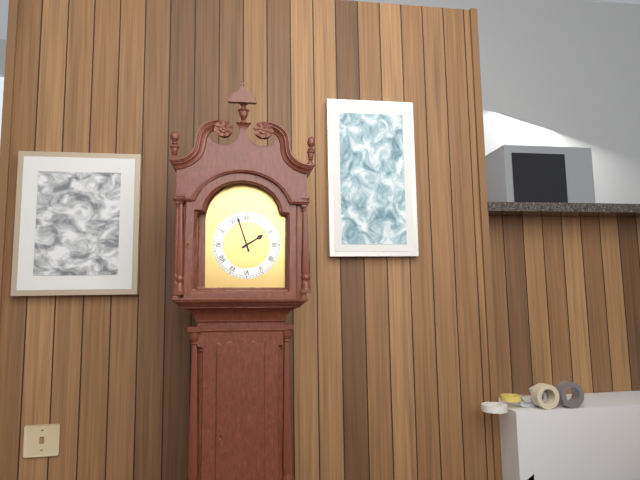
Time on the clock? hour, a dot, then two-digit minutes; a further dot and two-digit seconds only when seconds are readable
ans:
1.57
